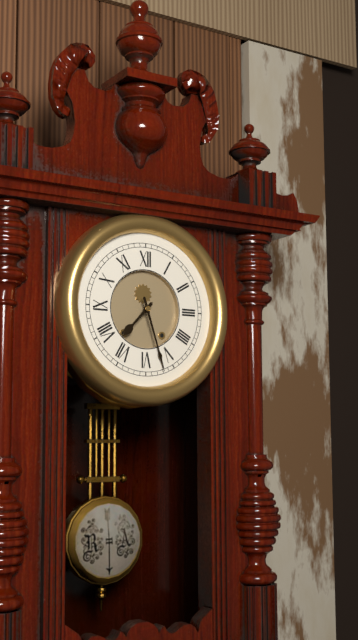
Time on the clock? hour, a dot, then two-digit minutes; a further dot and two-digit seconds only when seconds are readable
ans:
7.27
